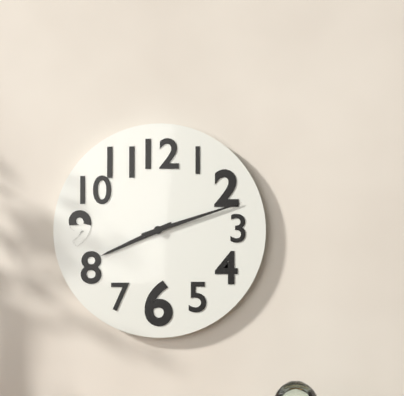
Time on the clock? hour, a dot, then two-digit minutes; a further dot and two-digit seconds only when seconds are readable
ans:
8.12
